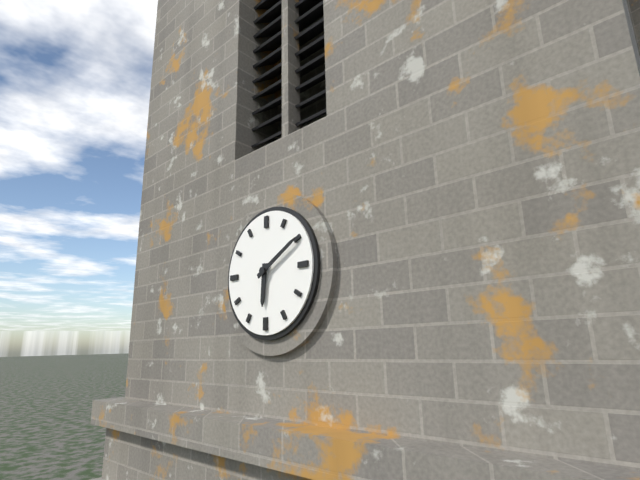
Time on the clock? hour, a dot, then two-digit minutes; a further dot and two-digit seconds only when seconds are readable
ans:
6.10
